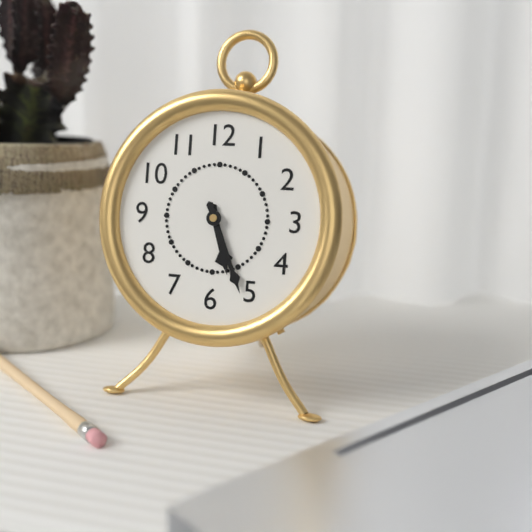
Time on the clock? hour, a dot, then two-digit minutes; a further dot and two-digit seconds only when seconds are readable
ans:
5.26
